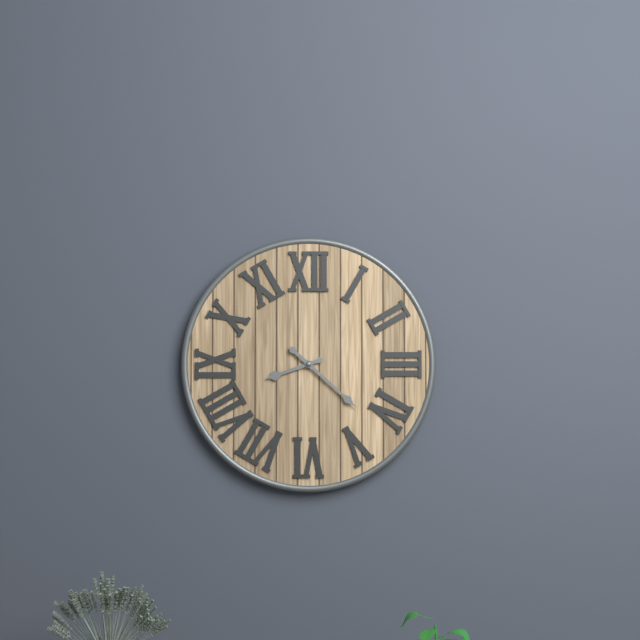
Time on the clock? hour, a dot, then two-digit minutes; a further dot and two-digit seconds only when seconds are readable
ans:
8.22
